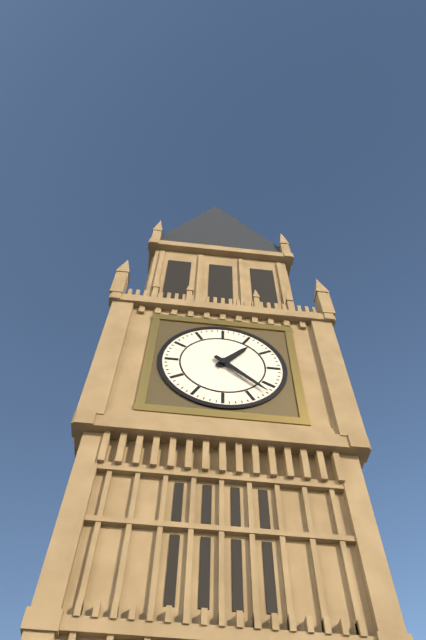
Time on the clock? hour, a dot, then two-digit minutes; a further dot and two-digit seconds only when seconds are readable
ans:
1.22
